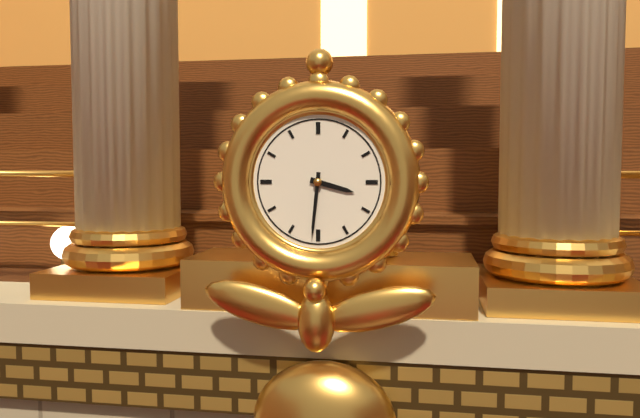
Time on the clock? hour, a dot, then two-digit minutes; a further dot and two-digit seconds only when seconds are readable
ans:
3.31
